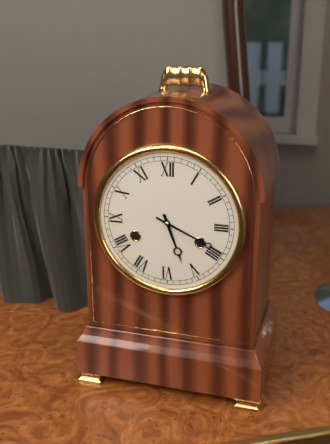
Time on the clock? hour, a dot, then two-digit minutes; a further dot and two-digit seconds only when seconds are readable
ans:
5.19
